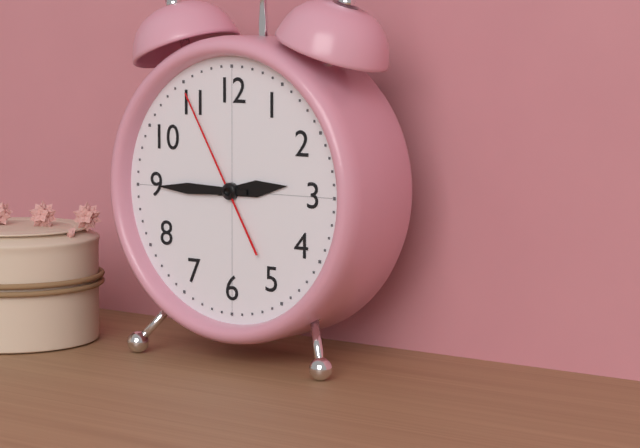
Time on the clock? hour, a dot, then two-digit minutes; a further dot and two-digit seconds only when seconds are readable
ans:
2.45.55
